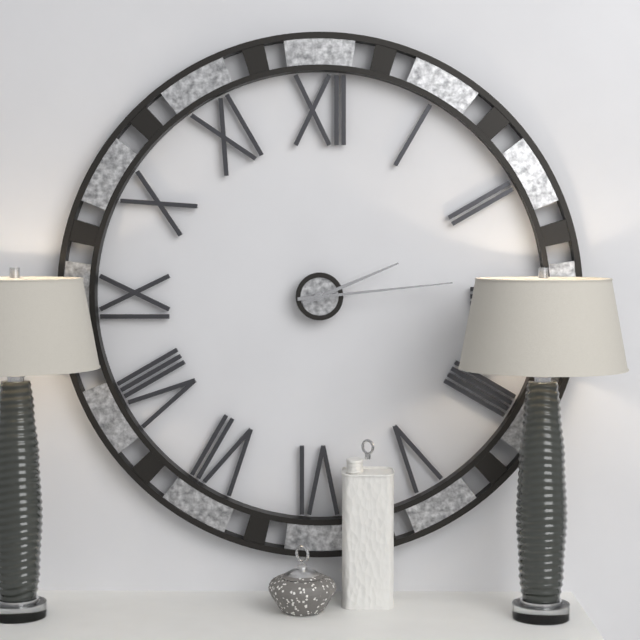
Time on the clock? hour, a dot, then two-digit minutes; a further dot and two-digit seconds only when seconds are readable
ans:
2.14
